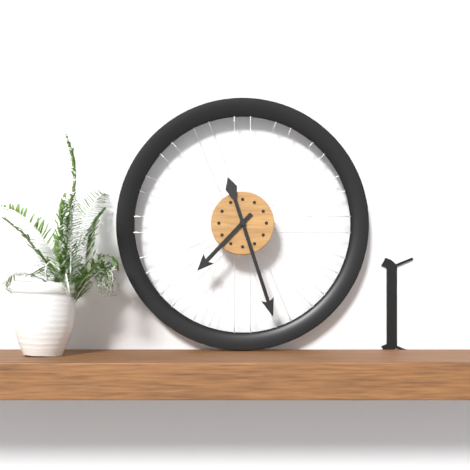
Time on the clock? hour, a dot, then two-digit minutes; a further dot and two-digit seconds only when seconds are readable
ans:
7.27
